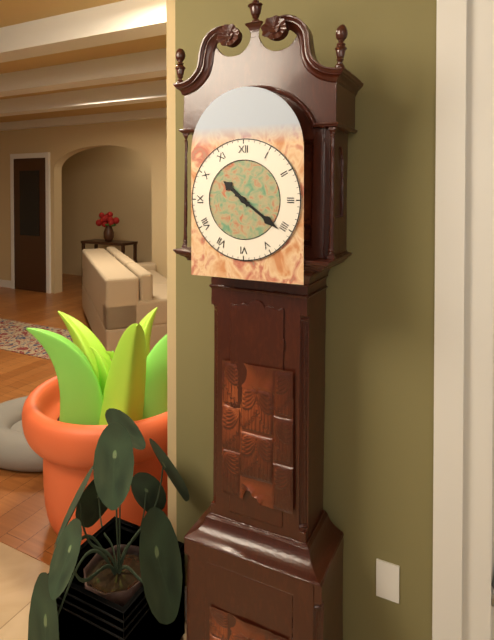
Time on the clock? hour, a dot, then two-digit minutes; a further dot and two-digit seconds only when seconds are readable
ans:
10.21
